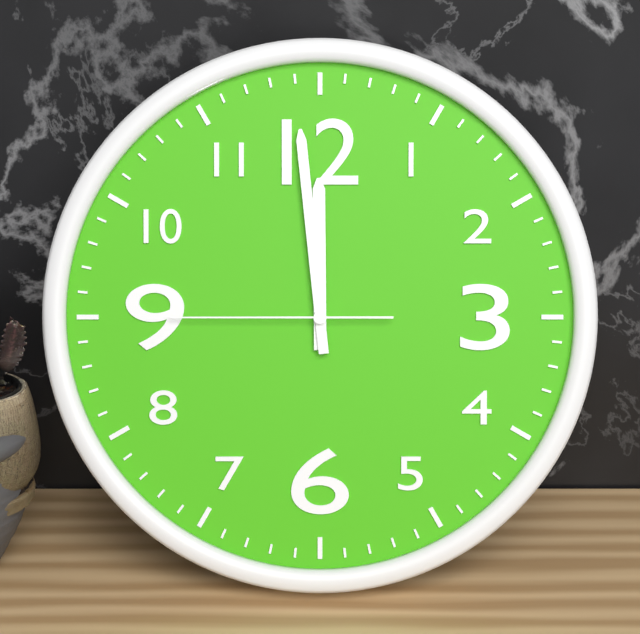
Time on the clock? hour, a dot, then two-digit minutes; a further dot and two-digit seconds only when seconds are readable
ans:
11.59.45
